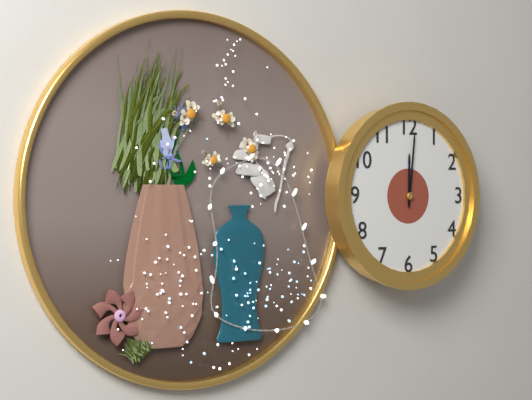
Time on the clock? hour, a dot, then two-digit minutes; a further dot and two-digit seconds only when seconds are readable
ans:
12.01
